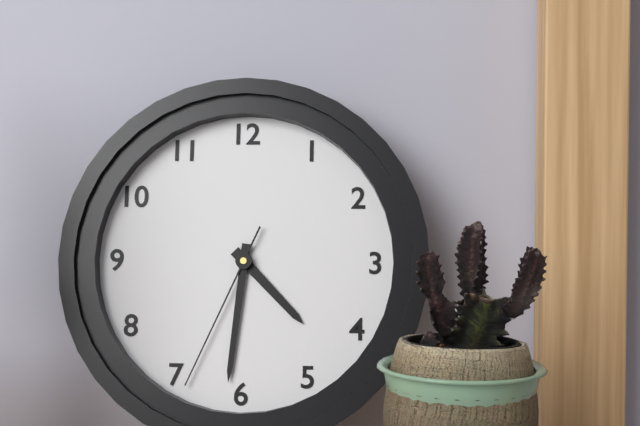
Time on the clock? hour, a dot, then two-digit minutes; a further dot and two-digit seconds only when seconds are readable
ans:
4.31.34
